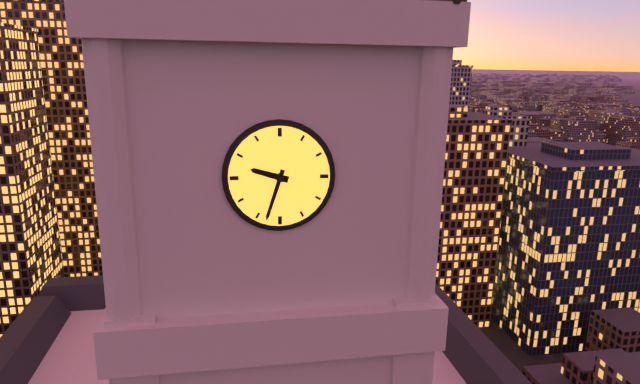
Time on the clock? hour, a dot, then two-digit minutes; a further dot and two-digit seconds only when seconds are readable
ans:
9.33
